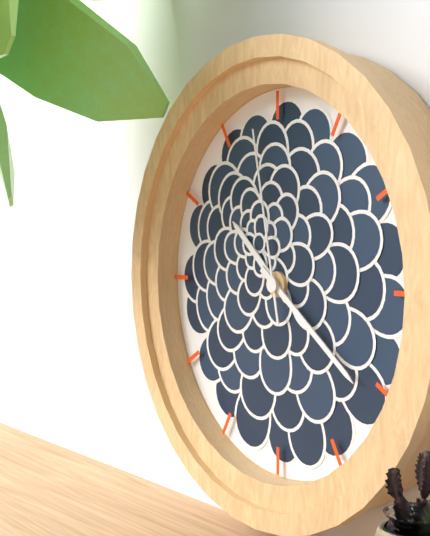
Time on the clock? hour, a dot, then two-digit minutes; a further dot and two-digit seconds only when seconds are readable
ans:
10.21.58
